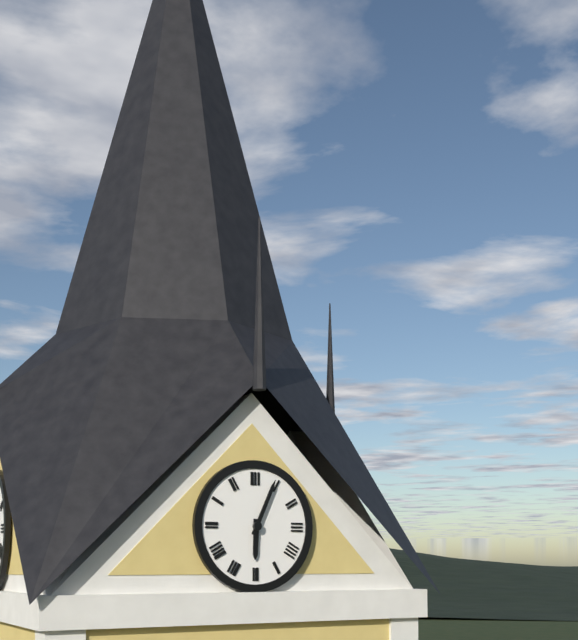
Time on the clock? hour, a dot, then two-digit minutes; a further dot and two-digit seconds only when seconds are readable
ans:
6.04
